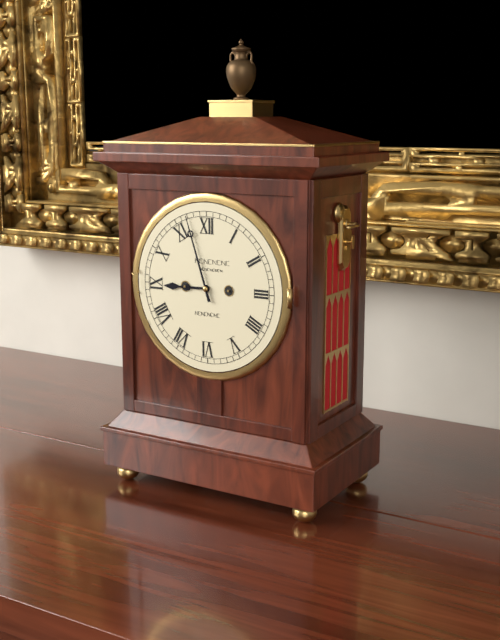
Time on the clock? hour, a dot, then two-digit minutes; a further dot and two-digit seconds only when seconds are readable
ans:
8.57
